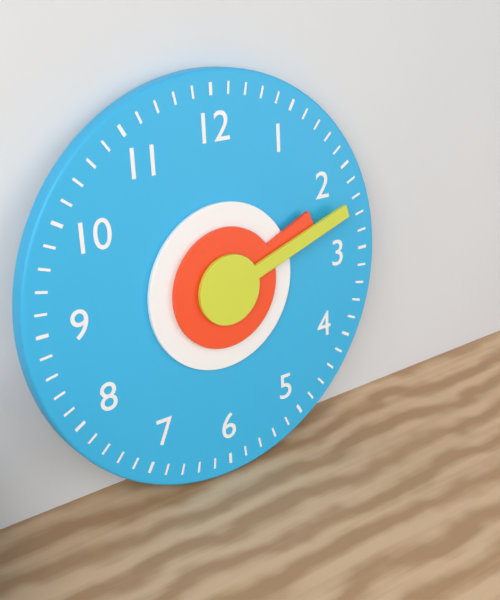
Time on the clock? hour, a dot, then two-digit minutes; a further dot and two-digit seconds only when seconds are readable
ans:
2.12
